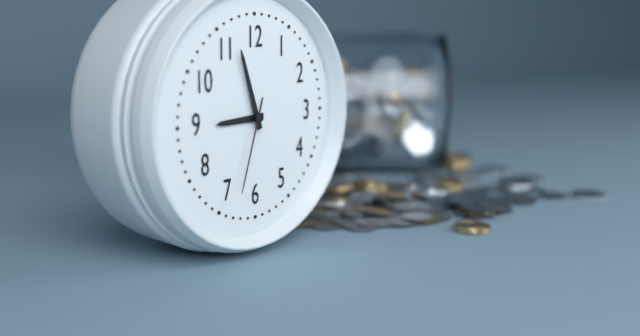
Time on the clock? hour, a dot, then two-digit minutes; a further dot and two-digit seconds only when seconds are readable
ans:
8.57.33
